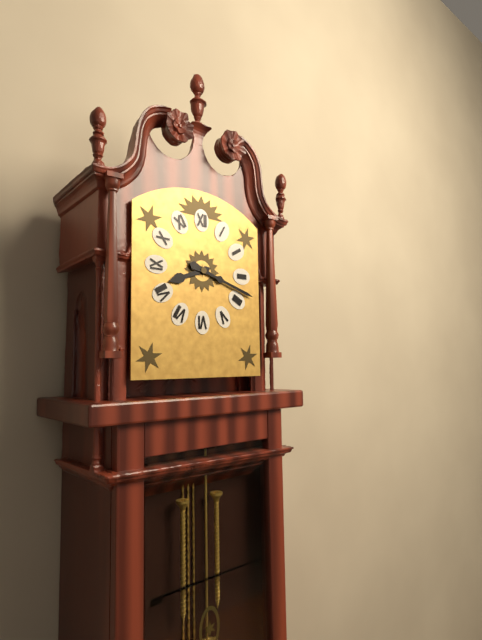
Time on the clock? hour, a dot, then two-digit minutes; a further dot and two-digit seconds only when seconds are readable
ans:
8.18
